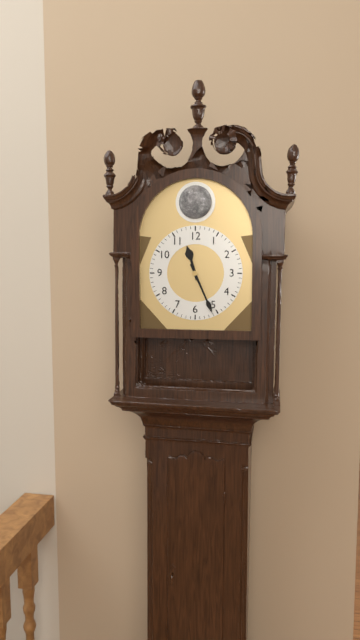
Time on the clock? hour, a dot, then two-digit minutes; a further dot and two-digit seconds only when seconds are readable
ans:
11.26
